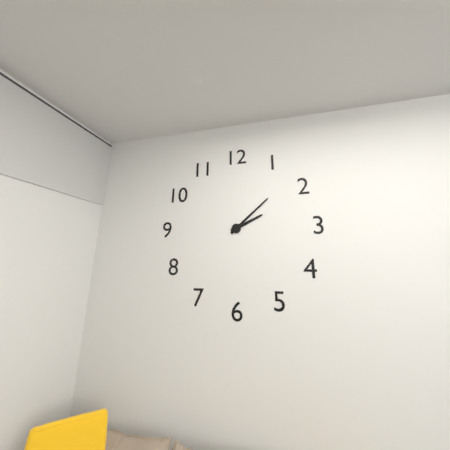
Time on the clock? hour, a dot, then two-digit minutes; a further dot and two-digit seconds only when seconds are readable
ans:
2.08
